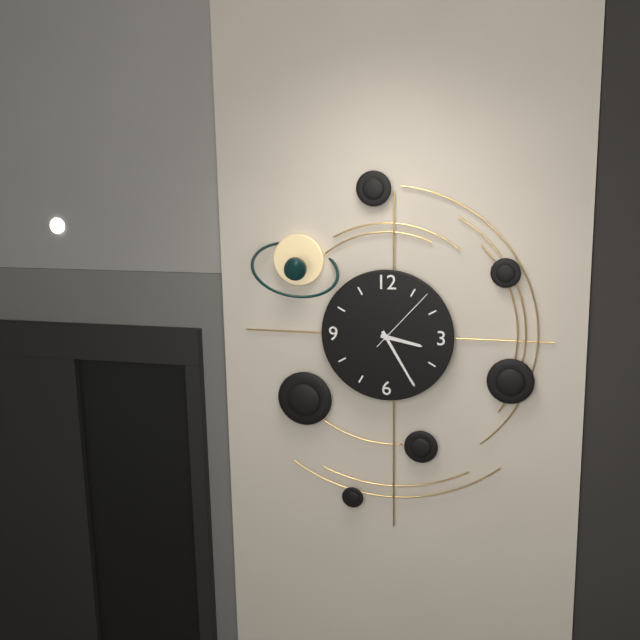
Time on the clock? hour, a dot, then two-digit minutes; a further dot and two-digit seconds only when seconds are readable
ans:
3.25.07
